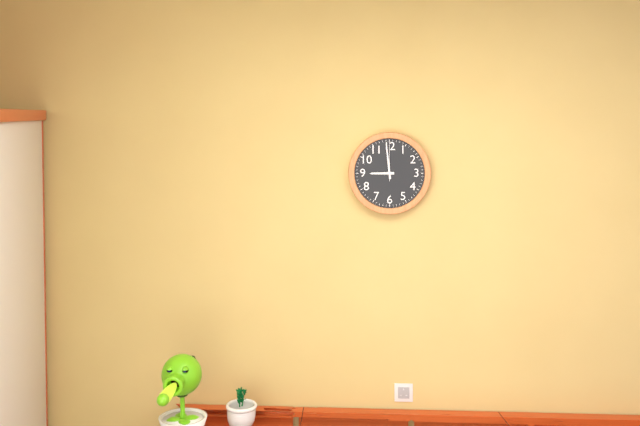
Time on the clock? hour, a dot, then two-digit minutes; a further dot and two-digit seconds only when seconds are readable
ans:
8.59
